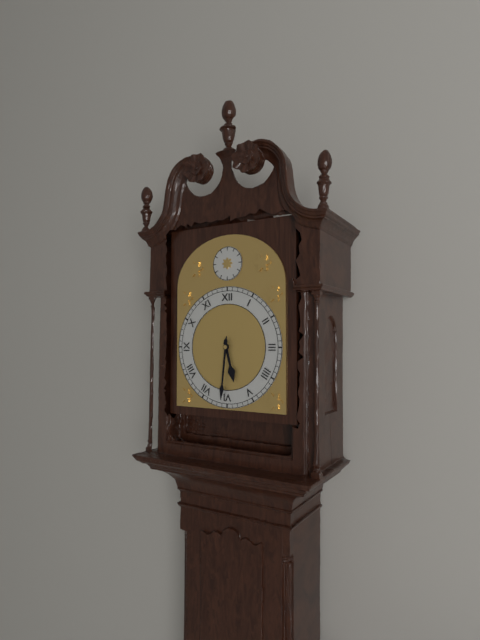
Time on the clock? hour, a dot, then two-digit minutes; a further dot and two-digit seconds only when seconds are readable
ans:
5.31
